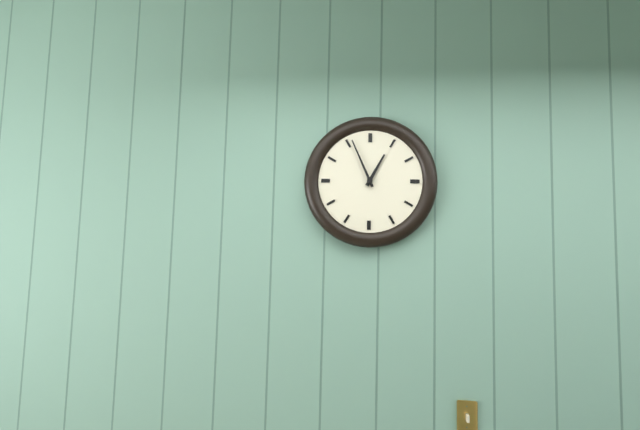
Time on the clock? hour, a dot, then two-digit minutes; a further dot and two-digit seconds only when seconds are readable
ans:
12.56
